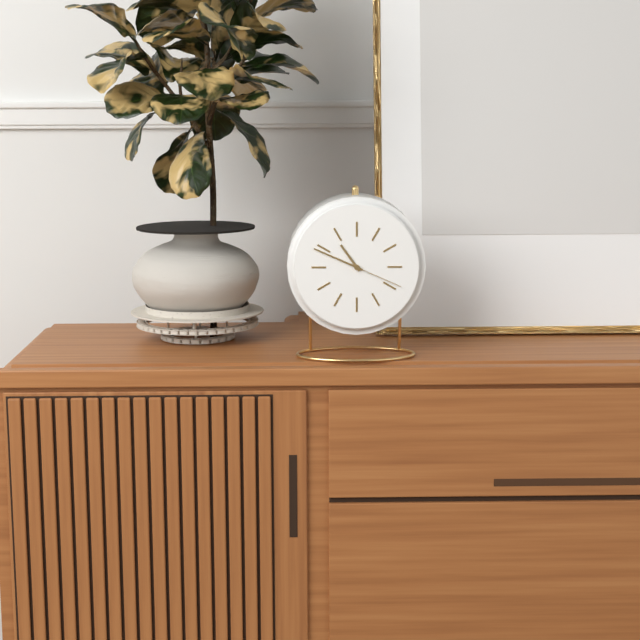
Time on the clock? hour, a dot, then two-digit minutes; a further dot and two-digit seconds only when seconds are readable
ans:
10.49.19
